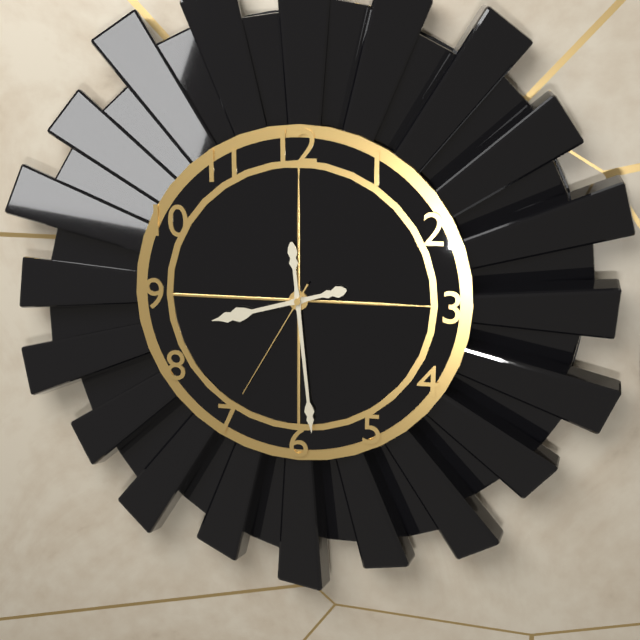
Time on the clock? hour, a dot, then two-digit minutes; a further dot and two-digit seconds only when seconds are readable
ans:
8.29.35
